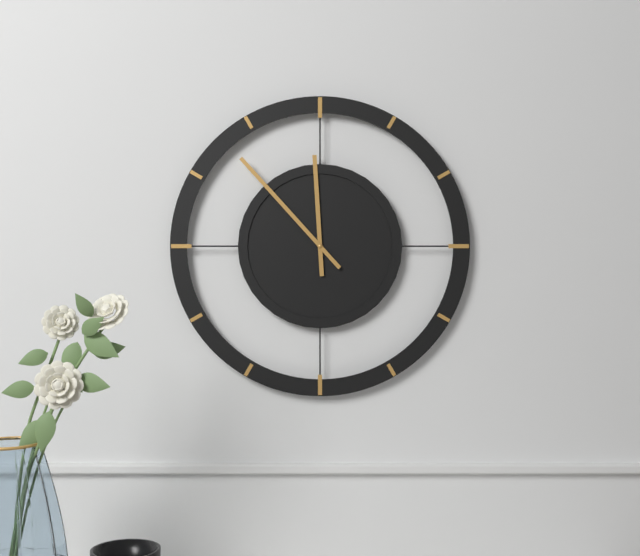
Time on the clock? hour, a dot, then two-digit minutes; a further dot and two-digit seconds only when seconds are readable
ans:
11.53
